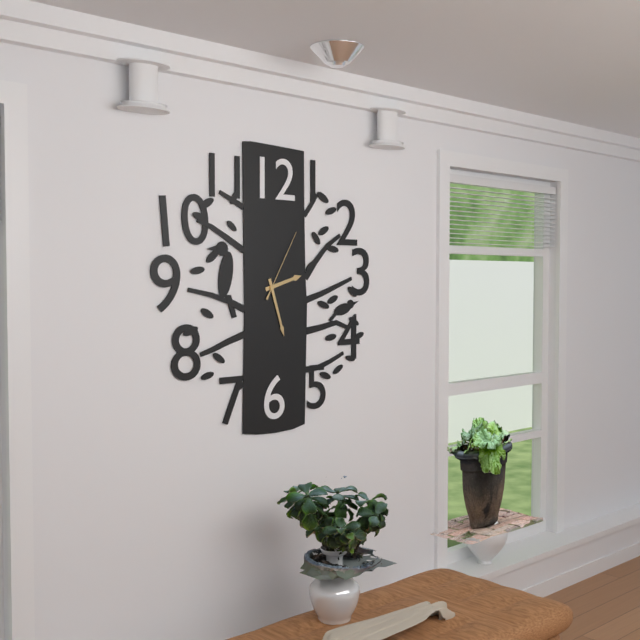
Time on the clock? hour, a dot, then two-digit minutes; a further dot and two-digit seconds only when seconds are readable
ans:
2.27.05
